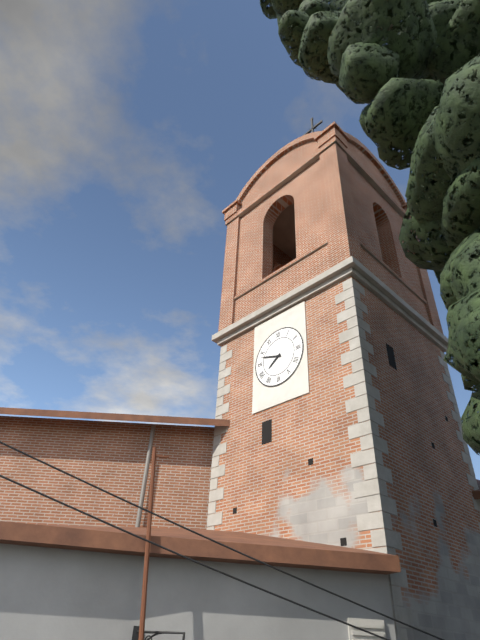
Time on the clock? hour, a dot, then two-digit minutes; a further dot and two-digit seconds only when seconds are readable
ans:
7.48
